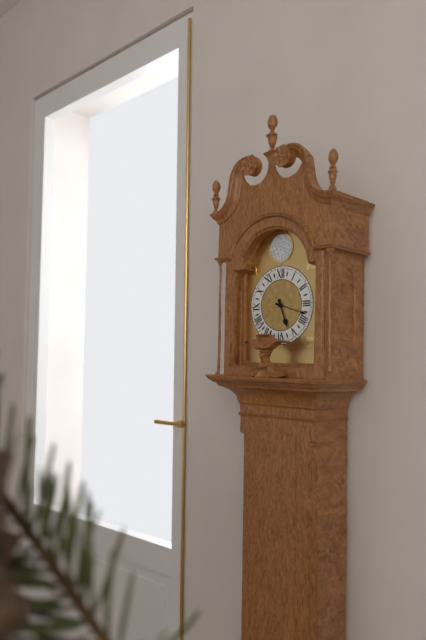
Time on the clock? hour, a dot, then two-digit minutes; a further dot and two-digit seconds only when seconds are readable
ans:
5.18
